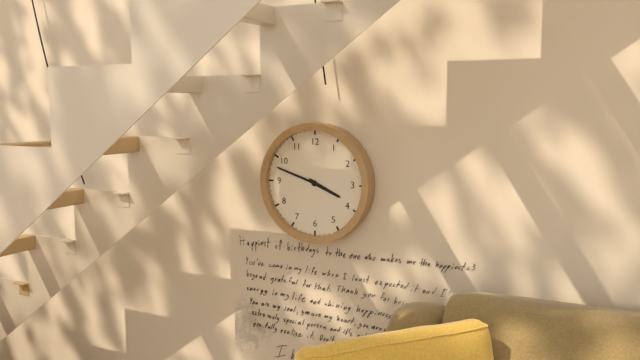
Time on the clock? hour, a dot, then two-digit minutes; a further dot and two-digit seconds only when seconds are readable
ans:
3.48
